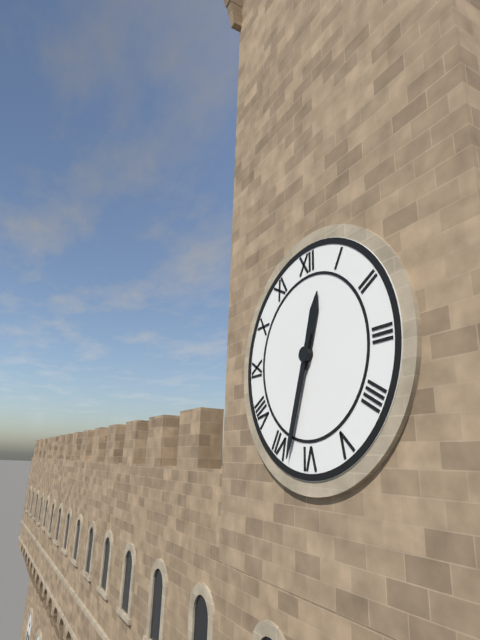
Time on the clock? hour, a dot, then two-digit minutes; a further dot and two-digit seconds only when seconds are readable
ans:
12.33
